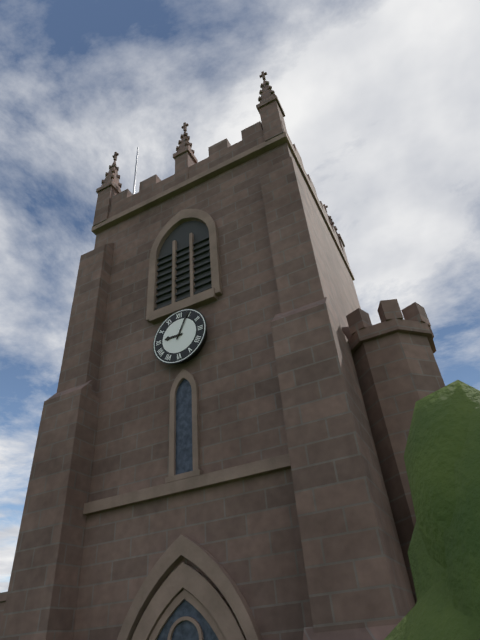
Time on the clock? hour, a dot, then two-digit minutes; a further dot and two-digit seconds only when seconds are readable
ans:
9.04
